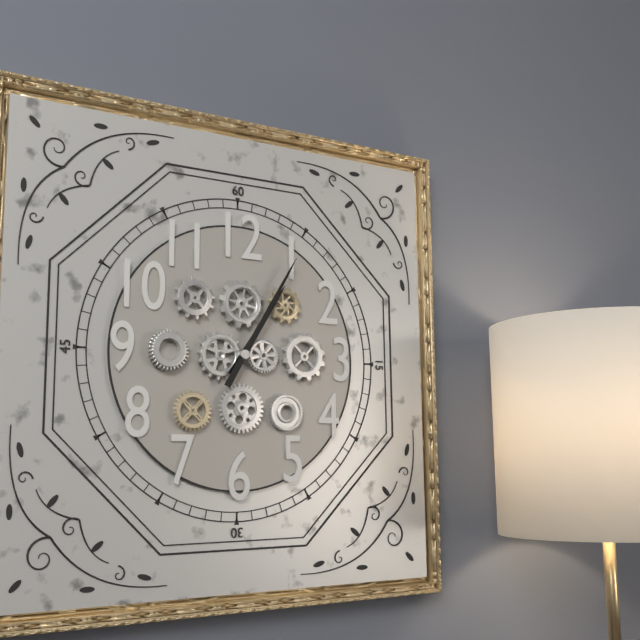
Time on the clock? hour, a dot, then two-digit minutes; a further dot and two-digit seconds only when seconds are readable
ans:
1.05
